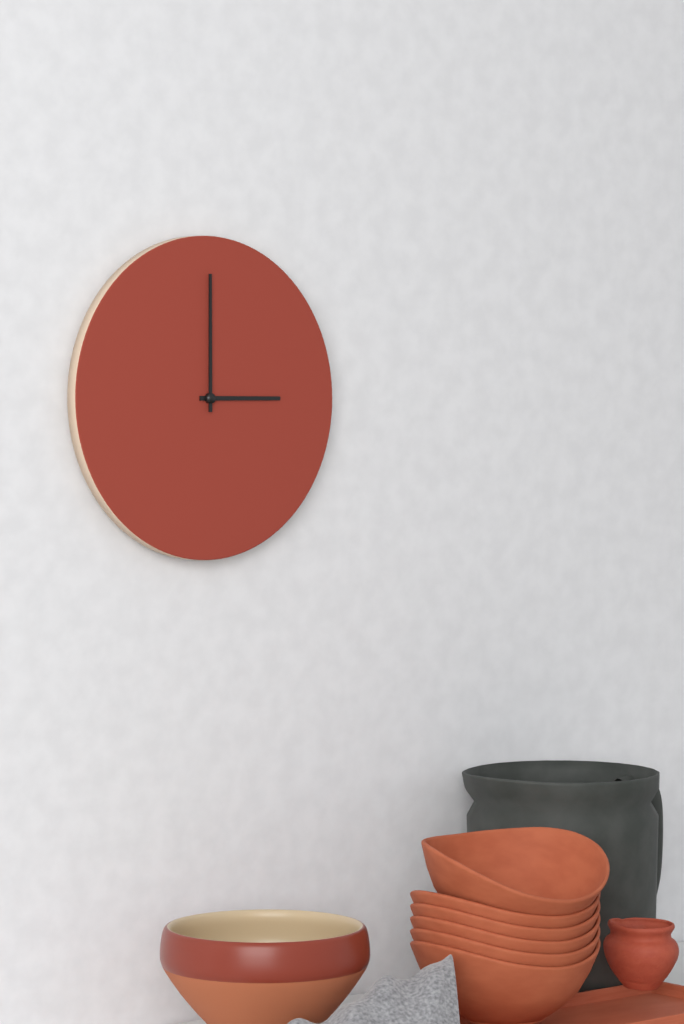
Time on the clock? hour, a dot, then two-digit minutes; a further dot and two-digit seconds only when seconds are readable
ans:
3.00
